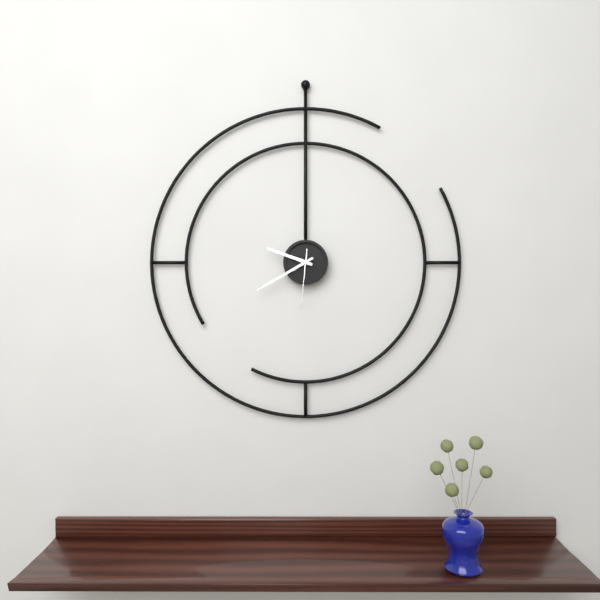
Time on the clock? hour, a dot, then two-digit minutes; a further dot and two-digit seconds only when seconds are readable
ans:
9.40.31
